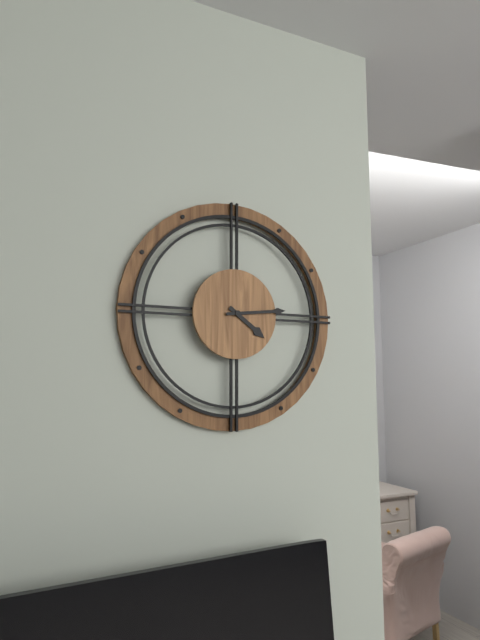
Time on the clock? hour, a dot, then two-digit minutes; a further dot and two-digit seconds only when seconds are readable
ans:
4.14
